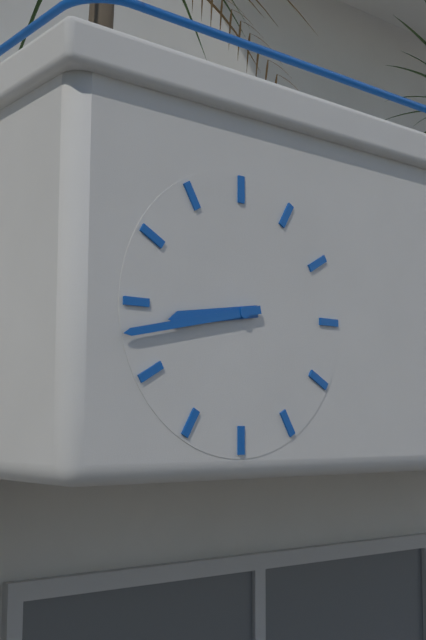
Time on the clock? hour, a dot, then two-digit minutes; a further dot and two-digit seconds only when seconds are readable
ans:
8.43
